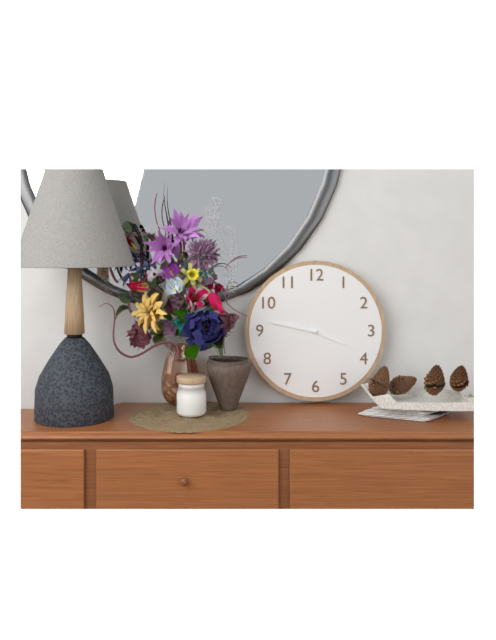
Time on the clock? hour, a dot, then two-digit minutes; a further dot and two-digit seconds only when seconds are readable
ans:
3.47
